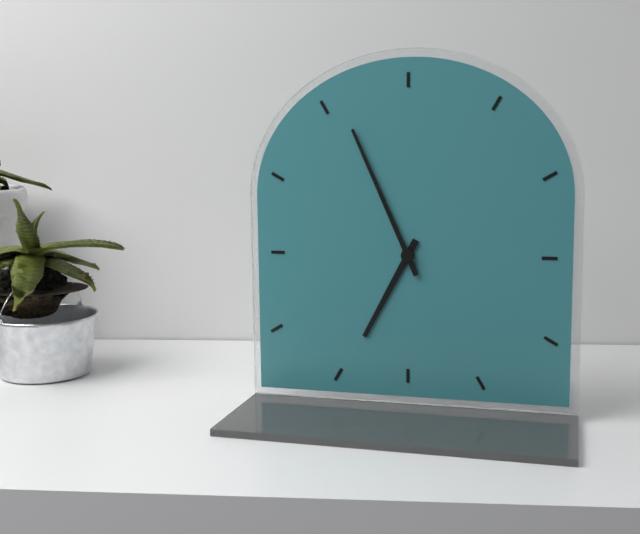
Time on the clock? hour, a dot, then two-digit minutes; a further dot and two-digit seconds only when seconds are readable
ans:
6.56
